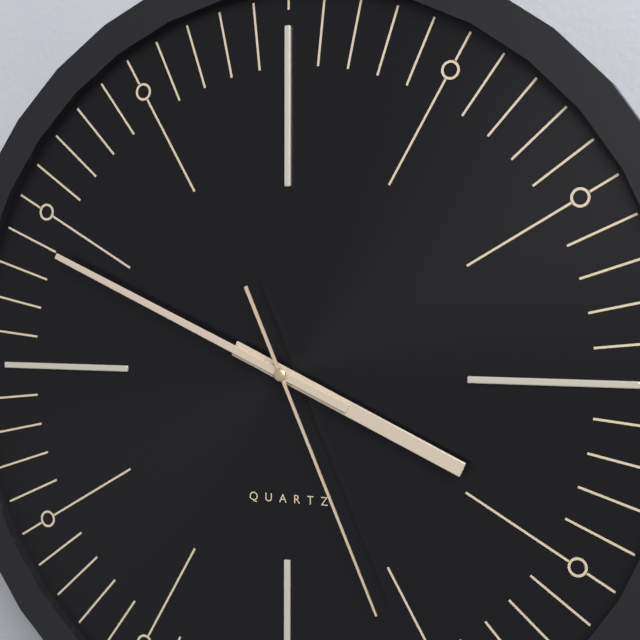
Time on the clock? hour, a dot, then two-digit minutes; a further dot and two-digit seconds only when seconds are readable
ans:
3.49.26
